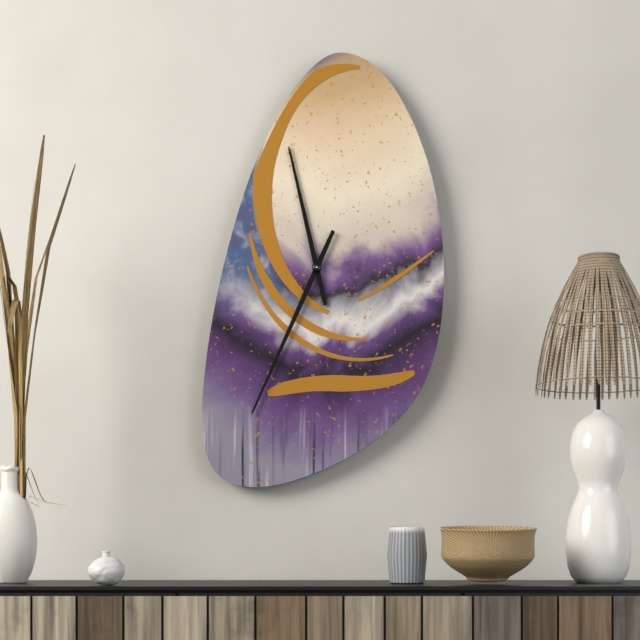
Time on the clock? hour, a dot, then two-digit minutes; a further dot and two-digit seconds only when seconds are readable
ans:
11.34
